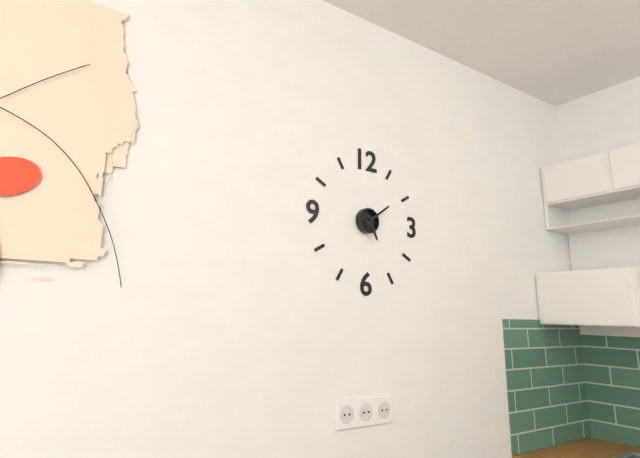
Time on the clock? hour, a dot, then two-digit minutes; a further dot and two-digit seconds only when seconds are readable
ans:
5.09
